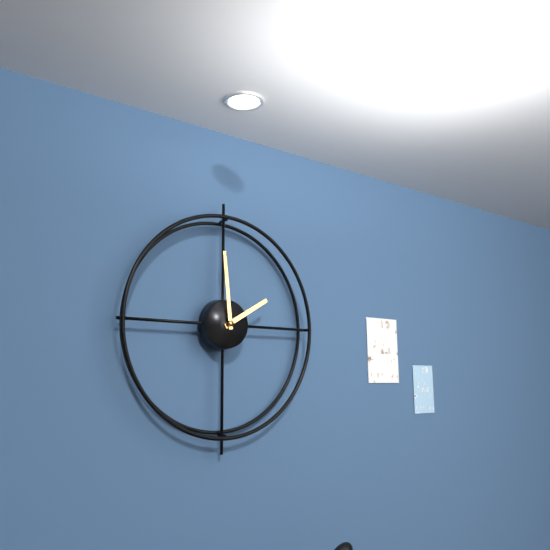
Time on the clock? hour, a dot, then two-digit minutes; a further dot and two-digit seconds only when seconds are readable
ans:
1.59
